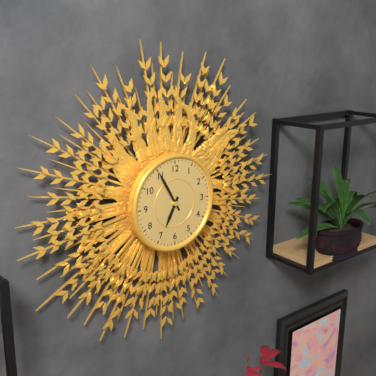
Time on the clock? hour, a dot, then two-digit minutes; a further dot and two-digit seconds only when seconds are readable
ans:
6.55
